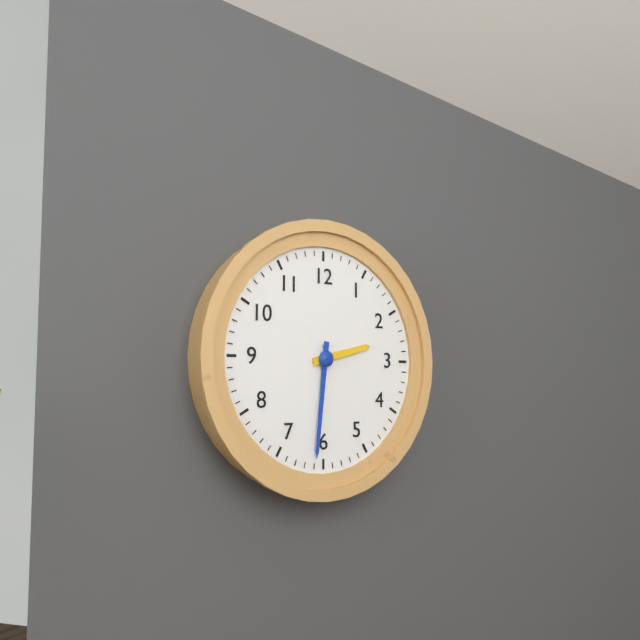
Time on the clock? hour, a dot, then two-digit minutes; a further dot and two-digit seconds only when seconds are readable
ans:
2.31
